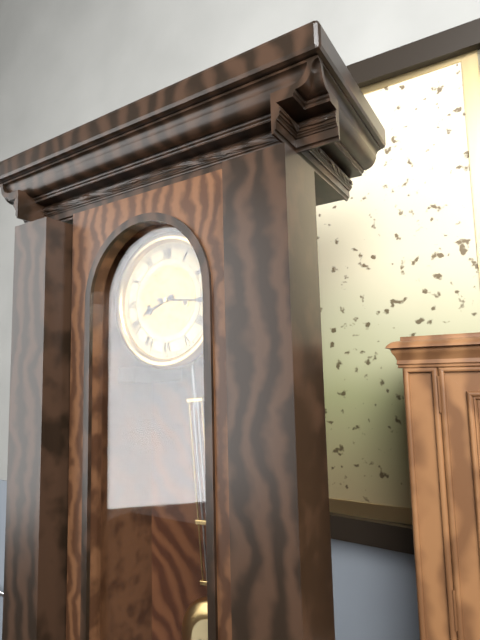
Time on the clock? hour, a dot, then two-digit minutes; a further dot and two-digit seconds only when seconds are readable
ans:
8.16
